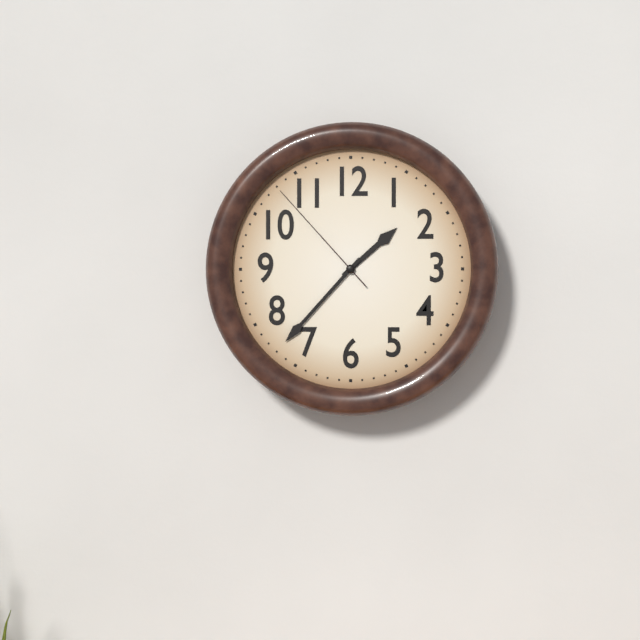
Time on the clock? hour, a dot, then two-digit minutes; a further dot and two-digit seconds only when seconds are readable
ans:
1.37.53
